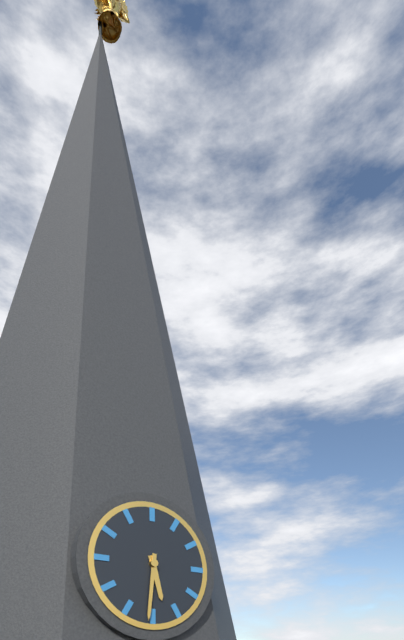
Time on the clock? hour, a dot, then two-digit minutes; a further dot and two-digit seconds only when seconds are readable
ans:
5.31
